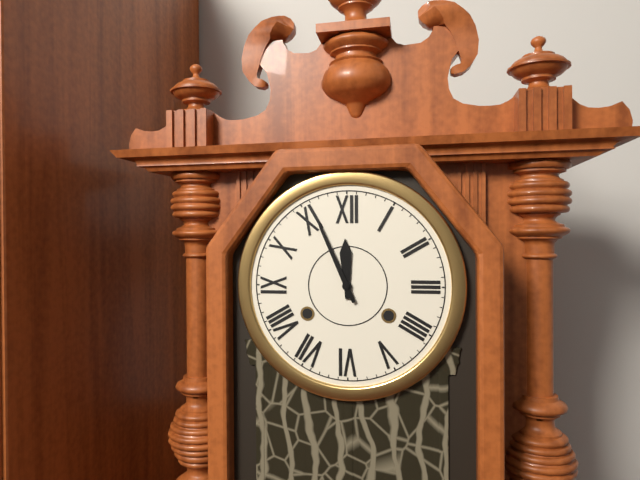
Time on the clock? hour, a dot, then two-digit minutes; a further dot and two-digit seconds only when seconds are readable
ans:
11.56
